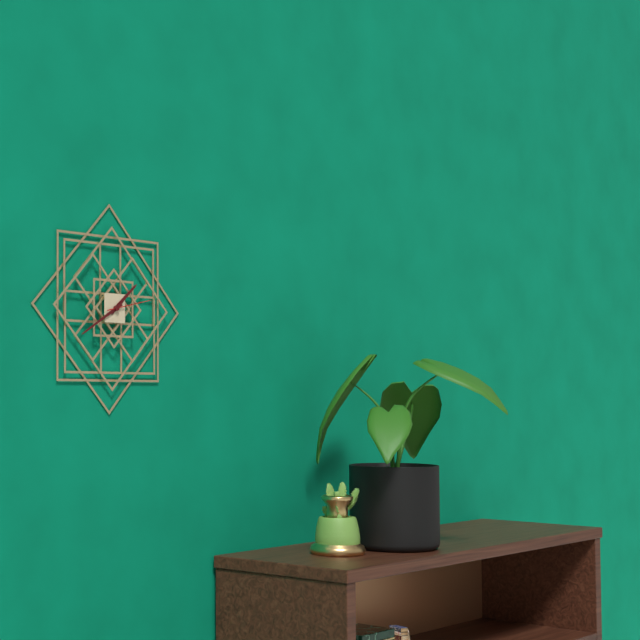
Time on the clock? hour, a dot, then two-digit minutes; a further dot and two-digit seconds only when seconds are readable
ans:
1.40.13
